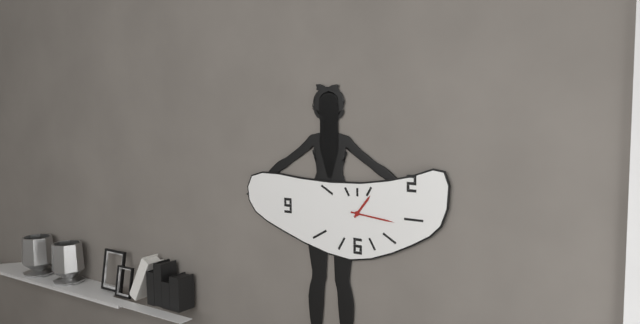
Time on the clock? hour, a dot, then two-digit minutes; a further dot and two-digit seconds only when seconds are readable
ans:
1.16
